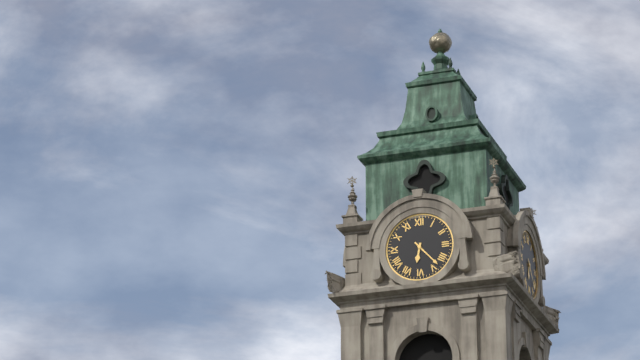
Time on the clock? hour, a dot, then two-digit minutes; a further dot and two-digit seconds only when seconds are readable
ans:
6.23
